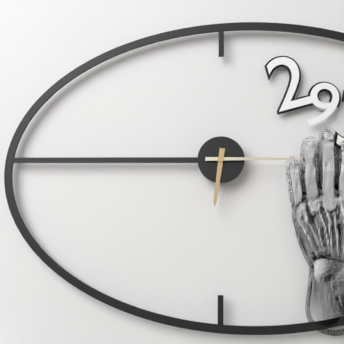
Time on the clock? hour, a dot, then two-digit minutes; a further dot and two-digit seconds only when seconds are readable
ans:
6.15
